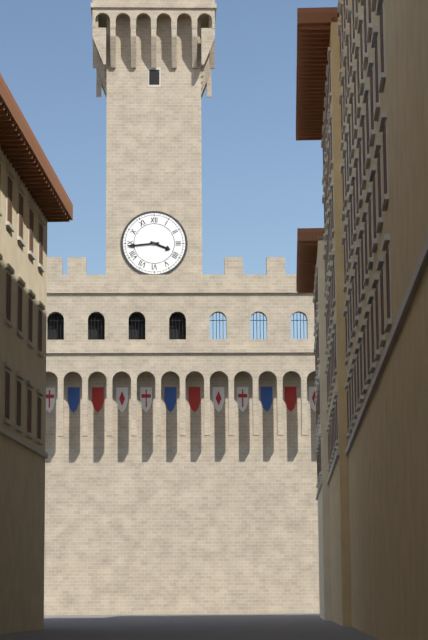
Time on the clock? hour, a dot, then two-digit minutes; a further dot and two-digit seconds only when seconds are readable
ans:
3.44
